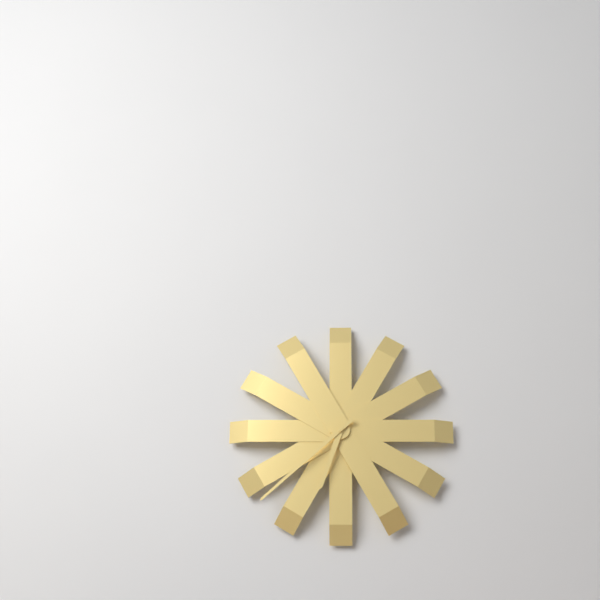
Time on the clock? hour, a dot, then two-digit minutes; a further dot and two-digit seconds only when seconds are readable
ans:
6.38
